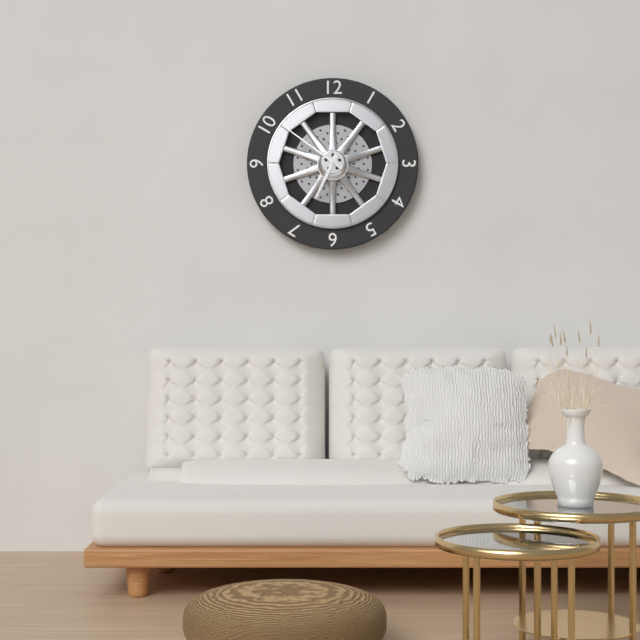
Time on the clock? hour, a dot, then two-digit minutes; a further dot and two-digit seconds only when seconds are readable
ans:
6.51
